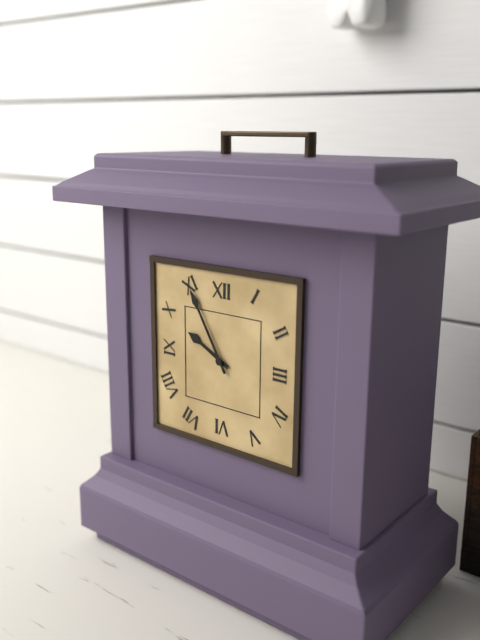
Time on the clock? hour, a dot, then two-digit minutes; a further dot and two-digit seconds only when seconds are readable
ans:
9.55
